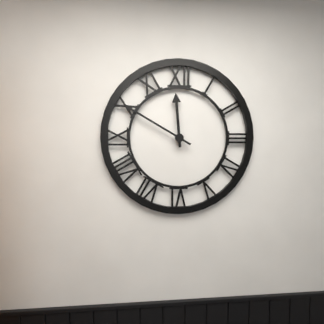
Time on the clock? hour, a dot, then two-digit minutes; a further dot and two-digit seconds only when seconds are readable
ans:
11.50
